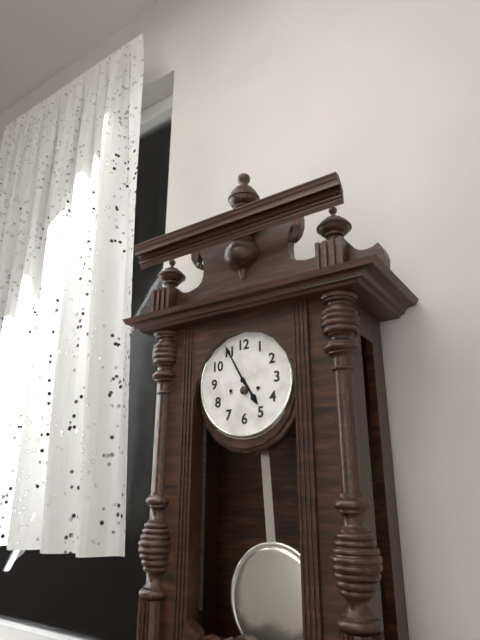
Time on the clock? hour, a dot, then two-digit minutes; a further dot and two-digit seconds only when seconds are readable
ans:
4.55
